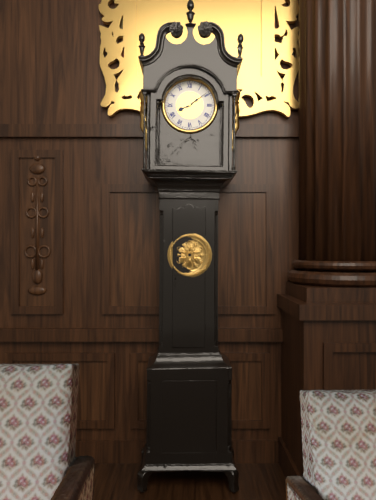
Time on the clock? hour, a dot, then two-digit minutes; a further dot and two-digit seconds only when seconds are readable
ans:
8.09
